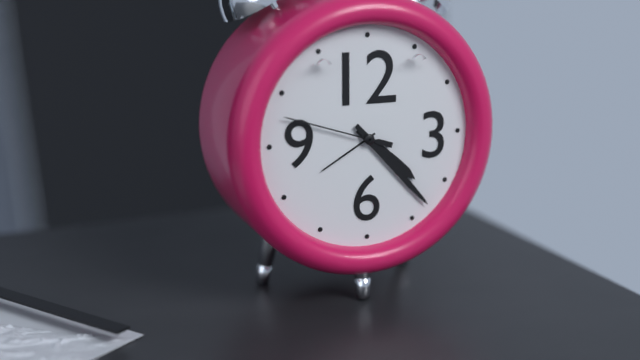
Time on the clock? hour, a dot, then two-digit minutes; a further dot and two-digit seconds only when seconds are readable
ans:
4.23.48
